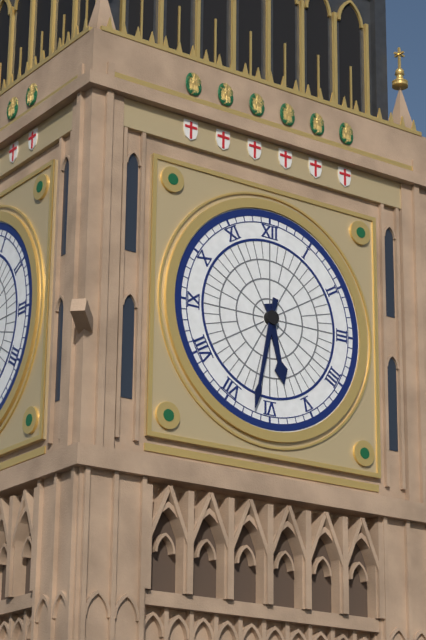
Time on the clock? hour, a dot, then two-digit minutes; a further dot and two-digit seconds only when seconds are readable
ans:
5.32
